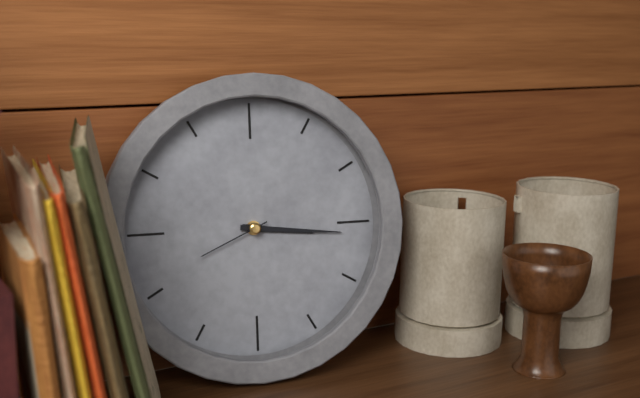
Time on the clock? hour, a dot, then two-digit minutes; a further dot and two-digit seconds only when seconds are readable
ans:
3.16.41
